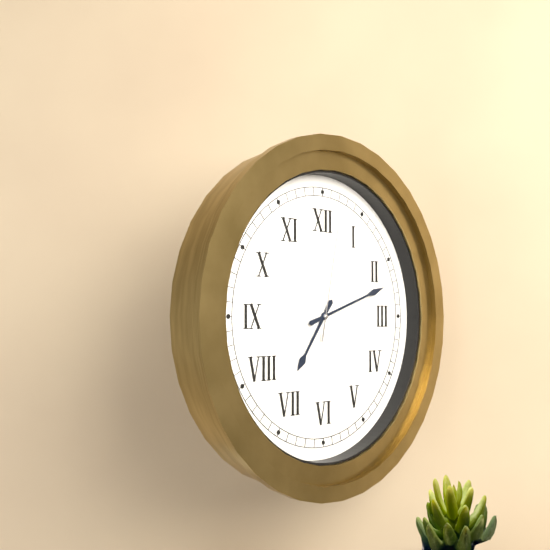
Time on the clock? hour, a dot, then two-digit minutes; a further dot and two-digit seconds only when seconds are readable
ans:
7.12.02
